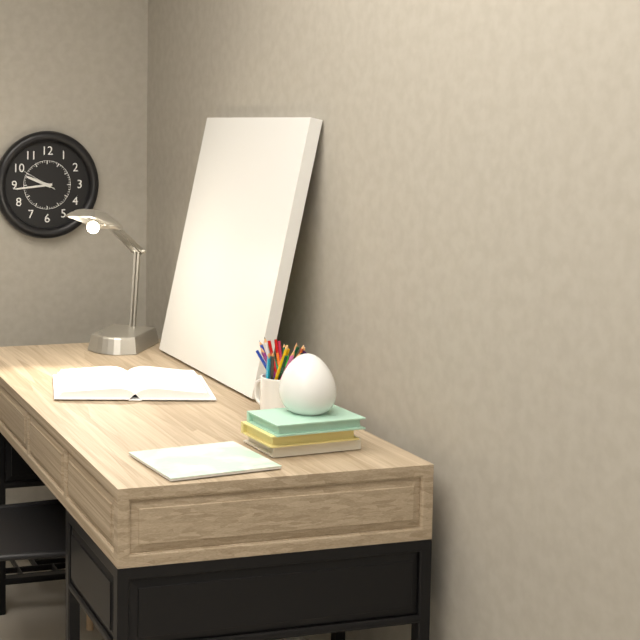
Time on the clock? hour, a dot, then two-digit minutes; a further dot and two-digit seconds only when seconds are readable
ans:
9.44
